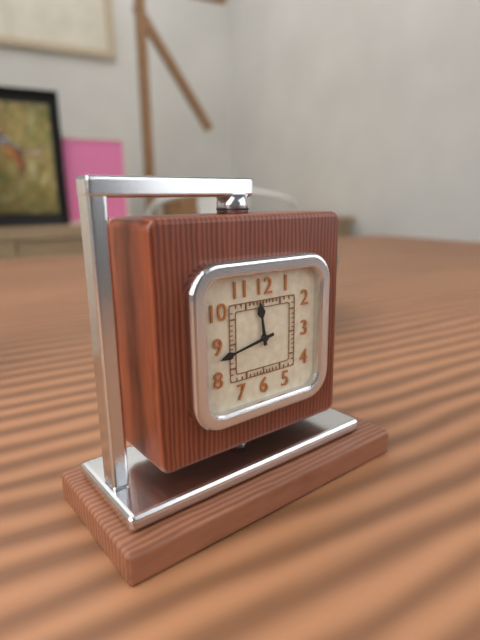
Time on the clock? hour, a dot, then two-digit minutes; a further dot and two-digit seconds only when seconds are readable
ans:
11.43
